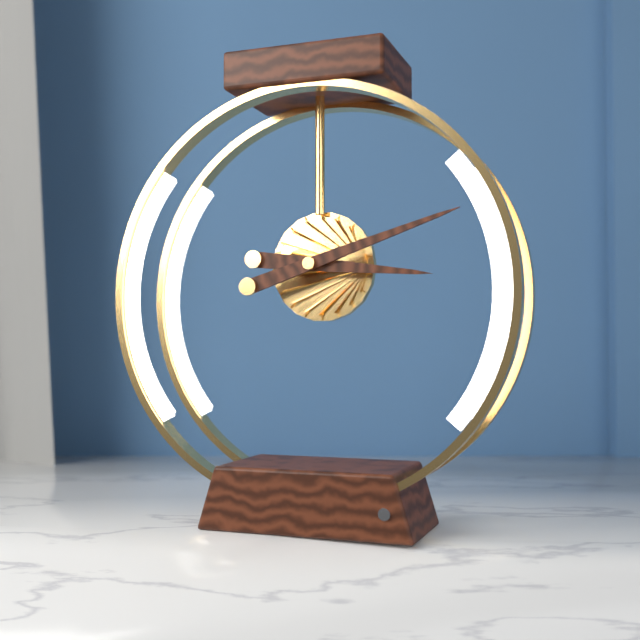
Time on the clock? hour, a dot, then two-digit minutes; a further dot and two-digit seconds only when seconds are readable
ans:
3.12
